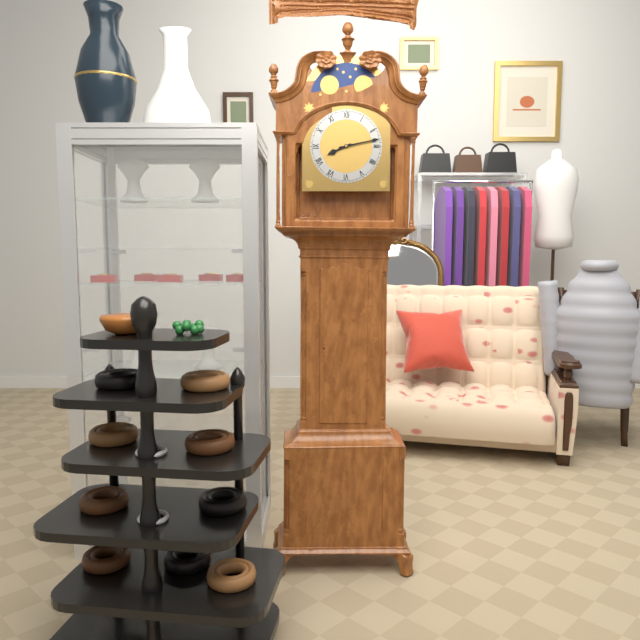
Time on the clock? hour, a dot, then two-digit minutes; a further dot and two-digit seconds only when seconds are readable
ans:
8.13
